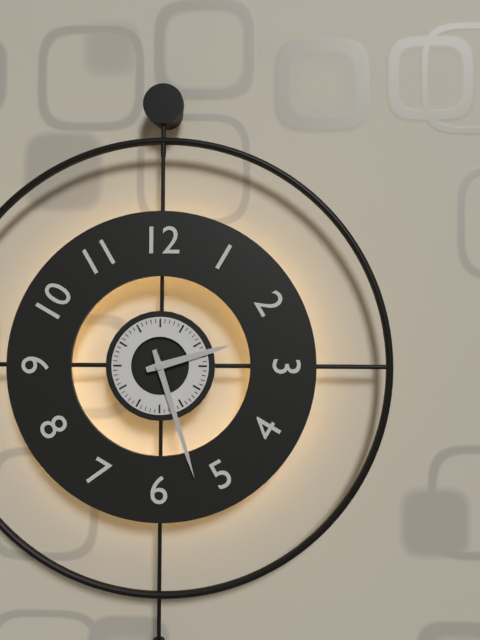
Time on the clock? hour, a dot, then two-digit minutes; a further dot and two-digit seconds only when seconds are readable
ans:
2.27
